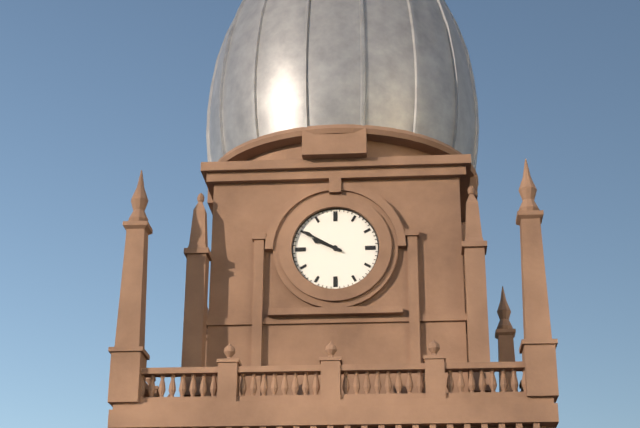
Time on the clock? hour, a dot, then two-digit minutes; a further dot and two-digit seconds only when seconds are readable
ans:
9.50
